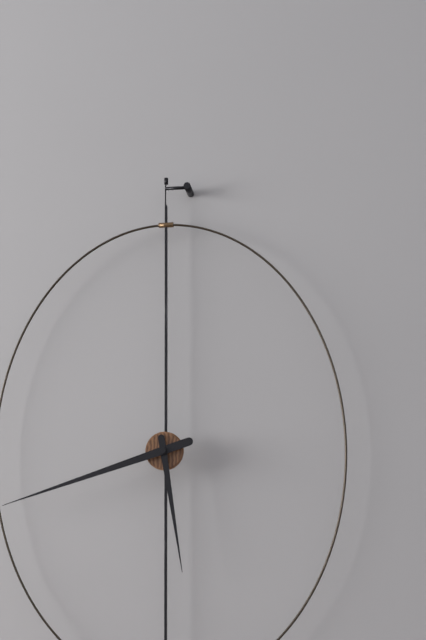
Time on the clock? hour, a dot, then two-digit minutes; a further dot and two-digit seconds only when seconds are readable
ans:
5.42
